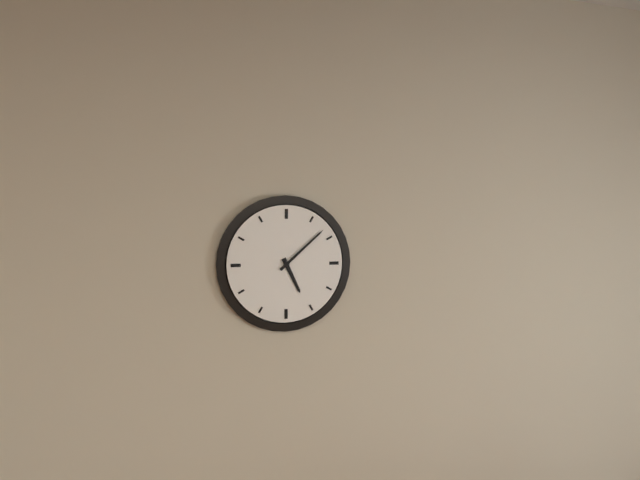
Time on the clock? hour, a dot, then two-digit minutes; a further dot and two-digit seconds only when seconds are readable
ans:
5.08
